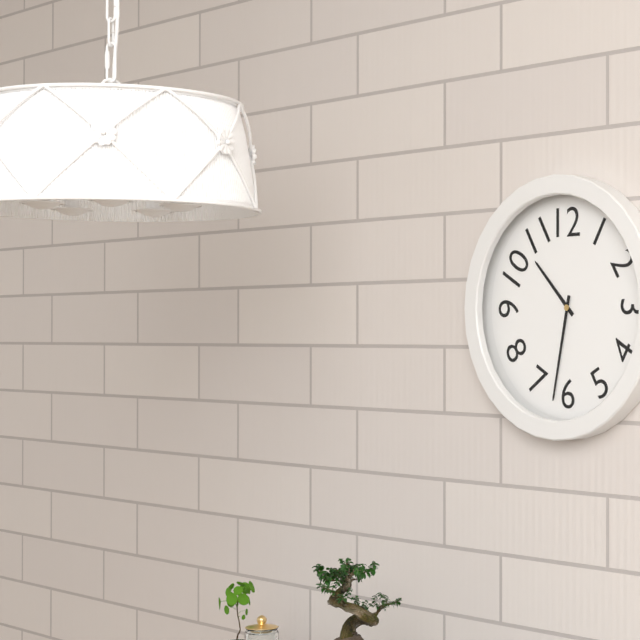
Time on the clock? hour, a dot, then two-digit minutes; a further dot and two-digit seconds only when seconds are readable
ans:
10.32
